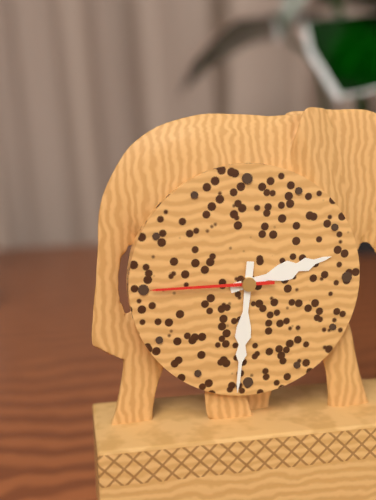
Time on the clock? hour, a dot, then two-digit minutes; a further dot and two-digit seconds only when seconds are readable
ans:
2.31.45
